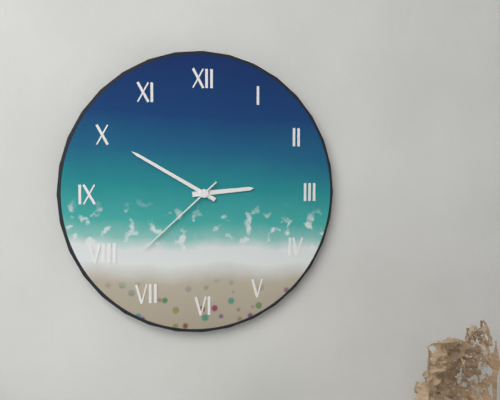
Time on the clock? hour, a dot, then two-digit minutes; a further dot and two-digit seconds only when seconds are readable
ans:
2.50.38
